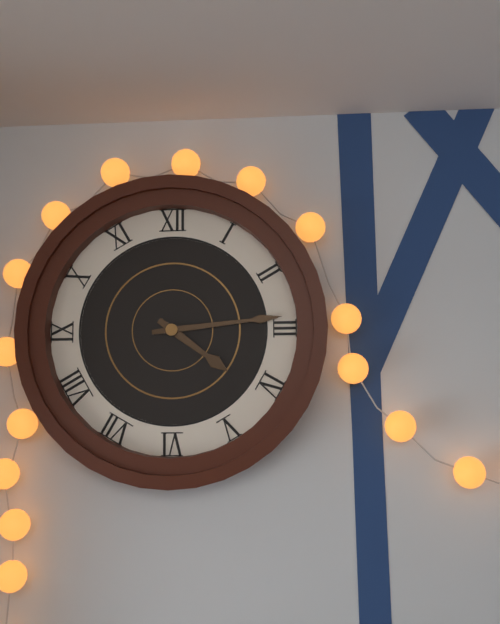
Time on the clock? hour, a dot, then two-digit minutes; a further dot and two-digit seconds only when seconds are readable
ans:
4.14
